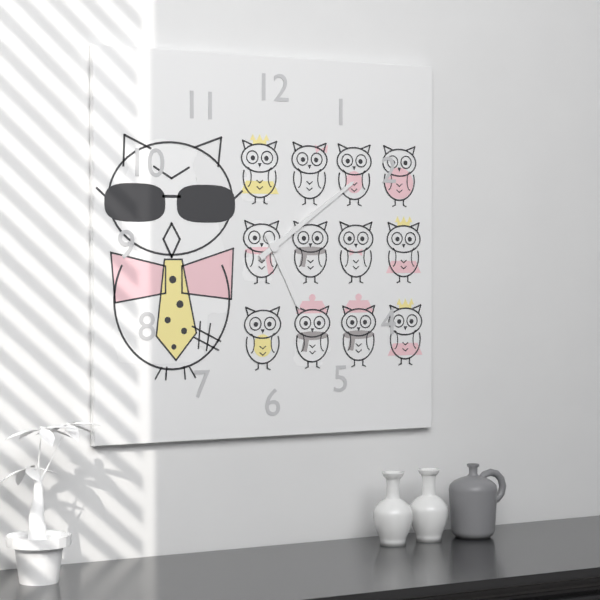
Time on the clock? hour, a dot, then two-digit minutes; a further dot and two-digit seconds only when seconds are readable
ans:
5.09
